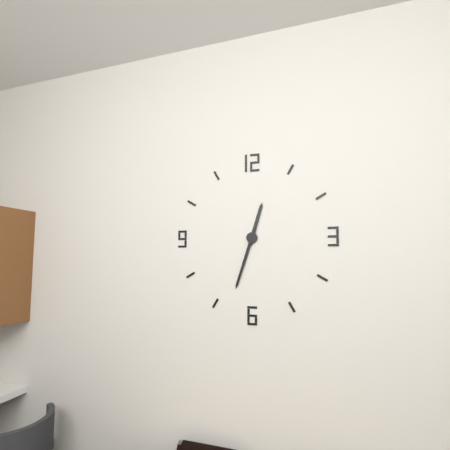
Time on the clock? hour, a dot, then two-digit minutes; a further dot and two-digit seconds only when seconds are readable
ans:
12.33
